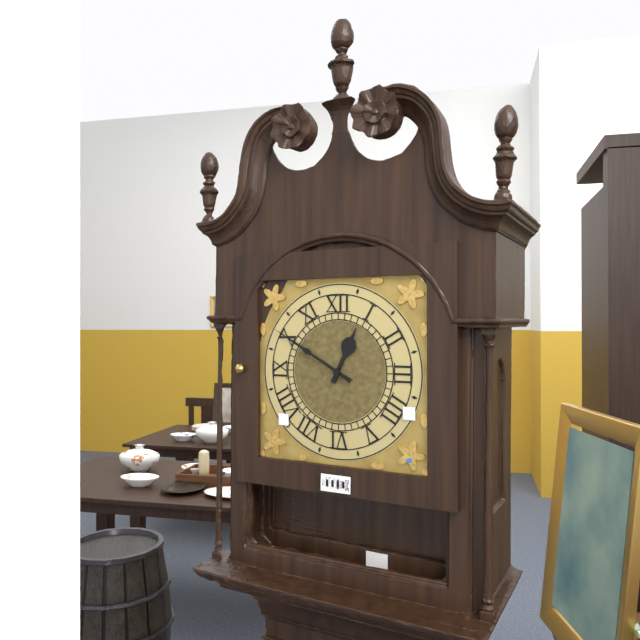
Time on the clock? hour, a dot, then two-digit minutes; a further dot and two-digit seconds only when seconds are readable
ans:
12.50
